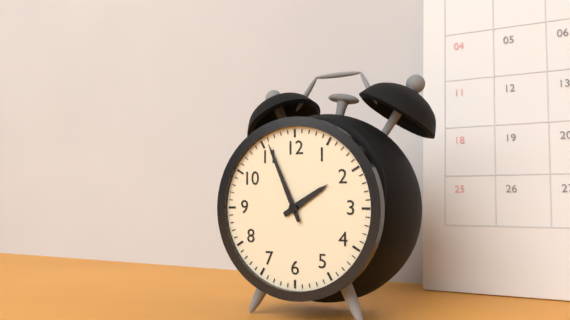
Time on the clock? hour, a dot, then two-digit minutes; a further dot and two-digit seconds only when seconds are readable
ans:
1.56
